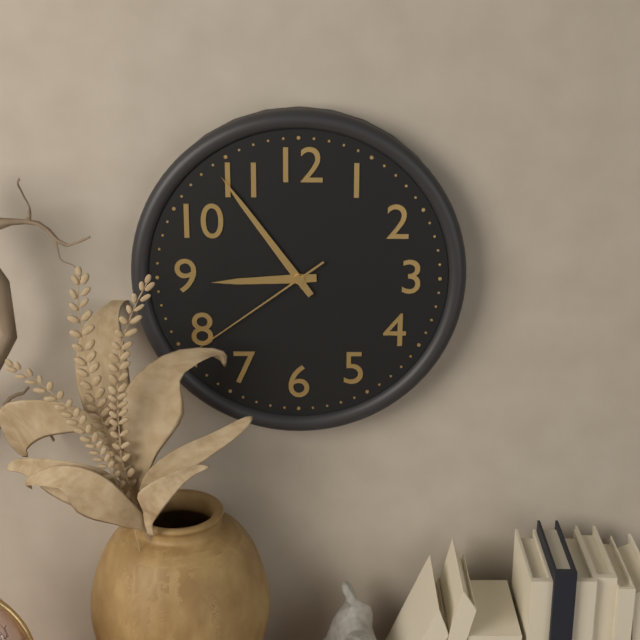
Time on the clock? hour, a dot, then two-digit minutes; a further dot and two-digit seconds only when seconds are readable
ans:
8.54.39
